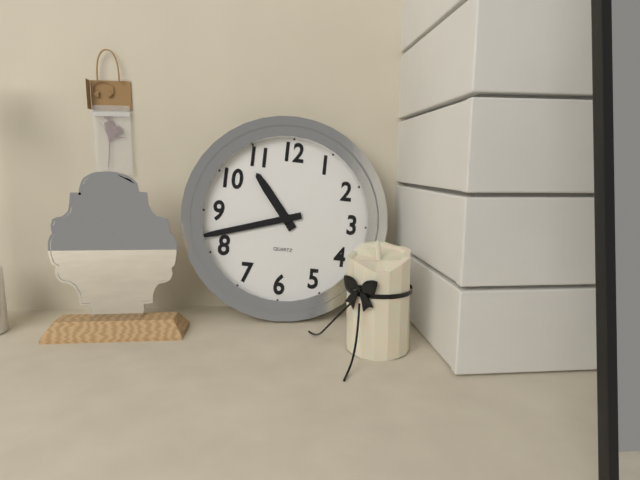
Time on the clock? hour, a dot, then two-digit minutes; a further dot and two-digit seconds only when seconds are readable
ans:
10.42
